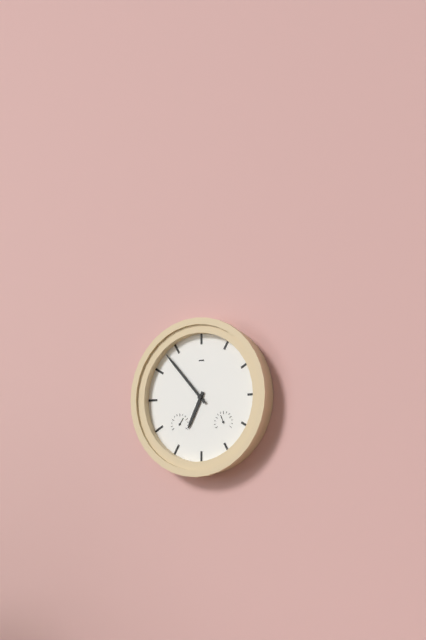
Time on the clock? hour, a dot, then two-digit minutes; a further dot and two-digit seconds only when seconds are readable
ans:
6.53
